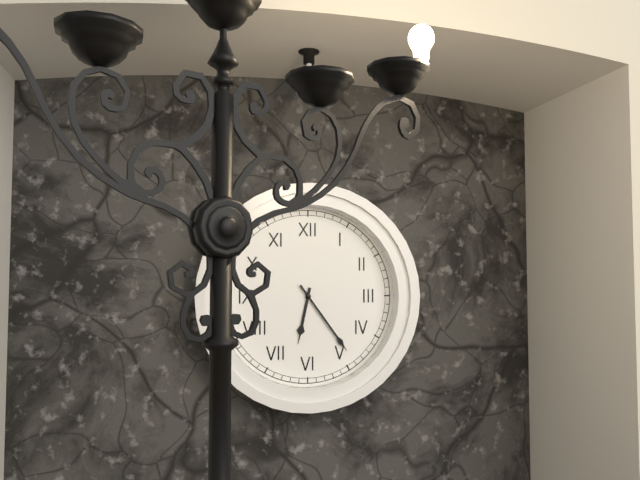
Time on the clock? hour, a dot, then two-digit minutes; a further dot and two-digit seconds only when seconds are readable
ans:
6.24
